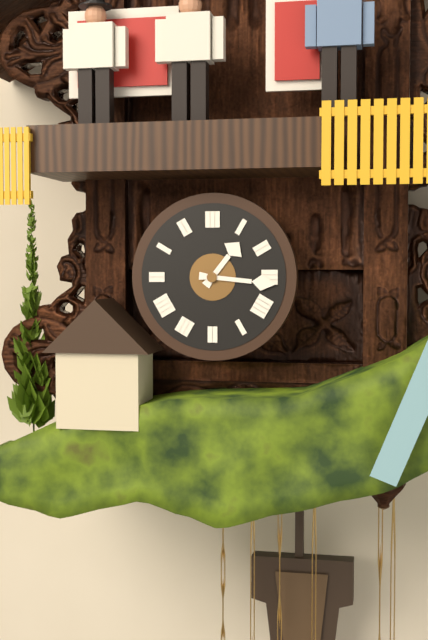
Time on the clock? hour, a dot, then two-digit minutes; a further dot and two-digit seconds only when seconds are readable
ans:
1.16
